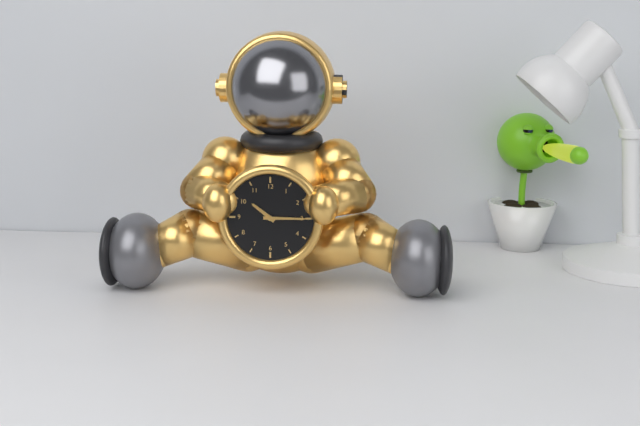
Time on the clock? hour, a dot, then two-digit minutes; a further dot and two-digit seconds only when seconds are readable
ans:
10.15
